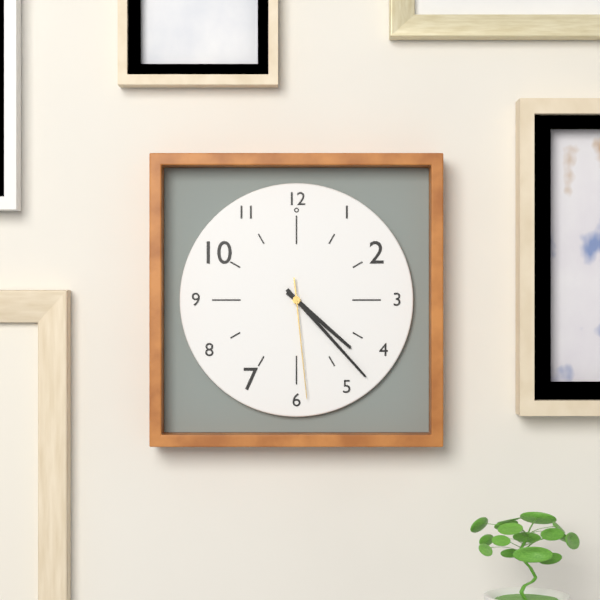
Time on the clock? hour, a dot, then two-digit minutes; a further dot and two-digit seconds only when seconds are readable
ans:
4.23.29
